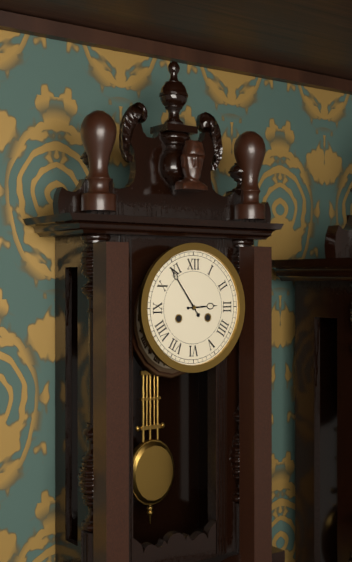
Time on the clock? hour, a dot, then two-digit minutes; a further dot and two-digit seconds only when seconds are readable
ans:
2.54
